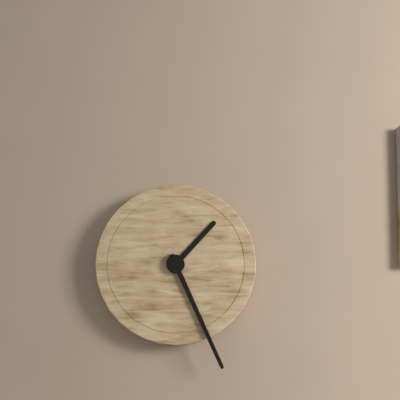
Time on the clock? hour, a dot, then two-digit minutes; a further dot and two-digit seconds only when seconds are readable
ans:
1.26
